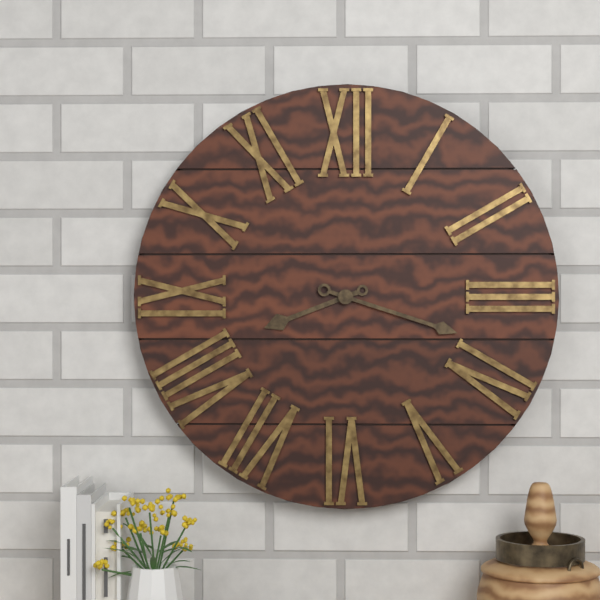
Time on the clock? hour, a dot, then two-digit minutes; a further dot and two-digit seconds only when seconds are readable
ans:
8.18
